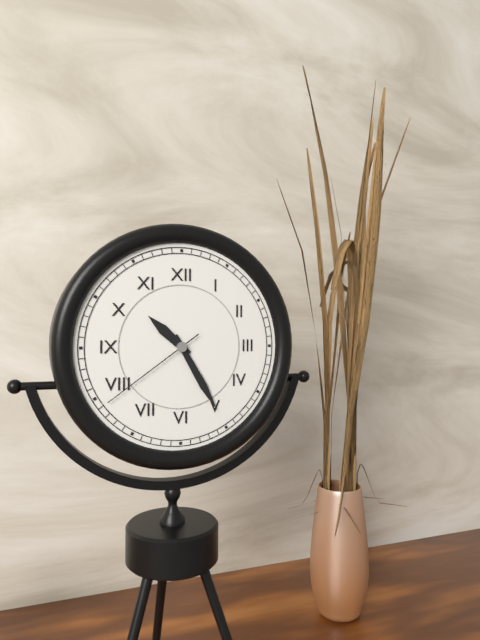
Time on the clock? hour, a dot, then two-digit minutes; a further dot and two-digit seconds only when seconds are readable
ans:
10.25.39
